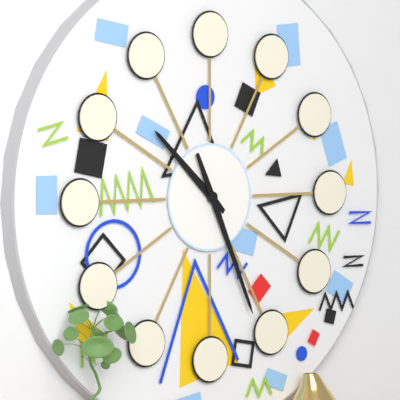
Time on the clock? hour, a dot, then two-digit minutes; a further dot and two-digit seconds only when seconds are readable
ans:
10.26
